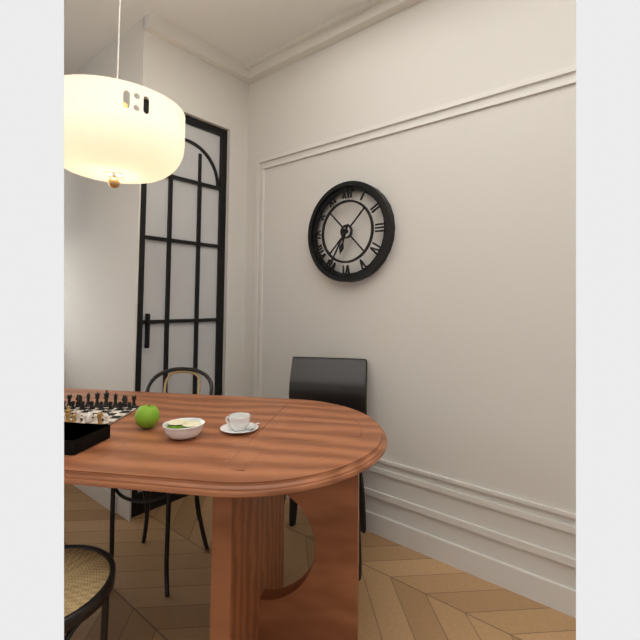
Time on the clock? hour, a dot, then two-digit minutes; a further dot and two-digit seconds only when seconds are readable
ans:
6.35
